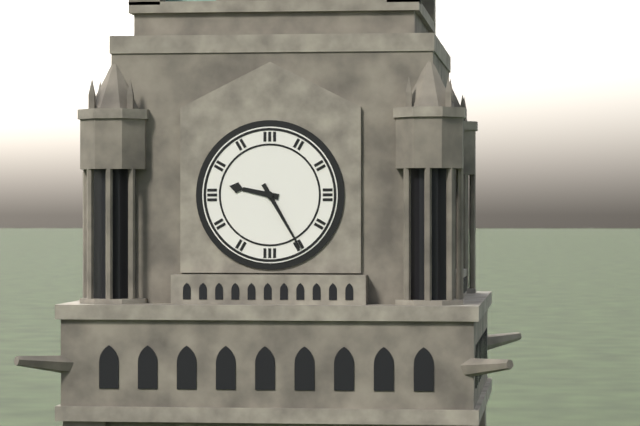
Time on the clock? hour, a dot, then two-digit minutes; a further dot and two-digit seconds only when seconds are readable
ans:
9.25
